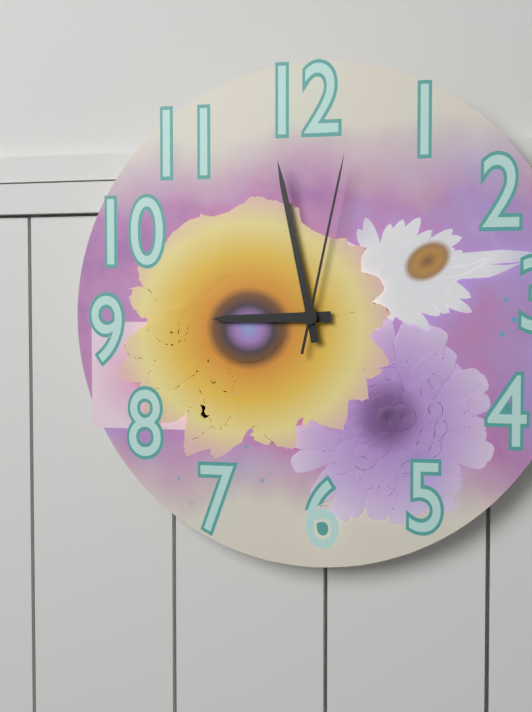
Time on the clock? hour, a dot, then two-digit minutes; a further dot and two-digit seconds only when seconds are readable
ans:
8.58.02
